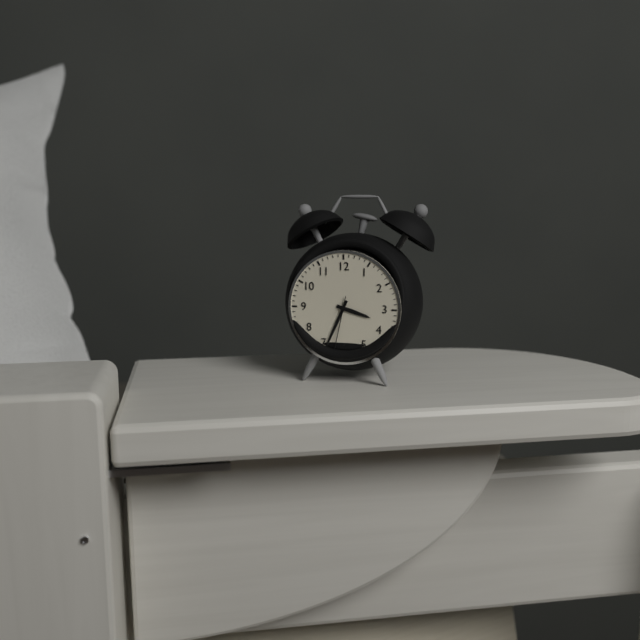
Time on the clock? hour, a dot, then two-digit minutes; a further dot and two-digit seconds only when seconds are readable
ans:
3.34.32
